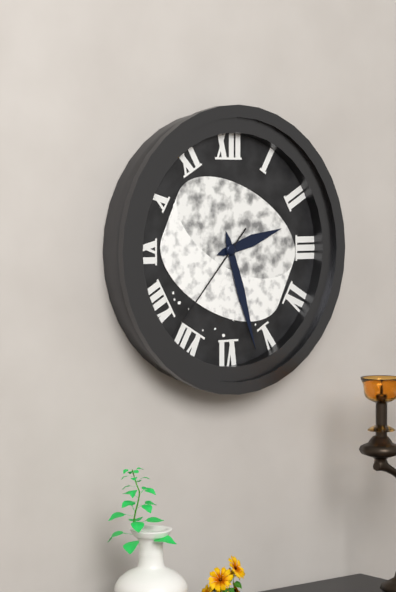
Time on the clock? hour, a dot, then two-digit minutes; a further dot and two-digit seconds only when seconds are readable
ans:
2.27.37
